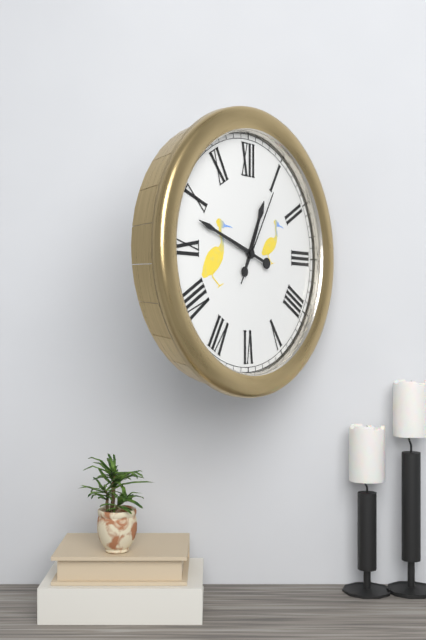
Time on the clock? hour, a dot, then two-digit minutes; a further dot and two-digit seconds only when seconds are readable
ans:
12.48.05
